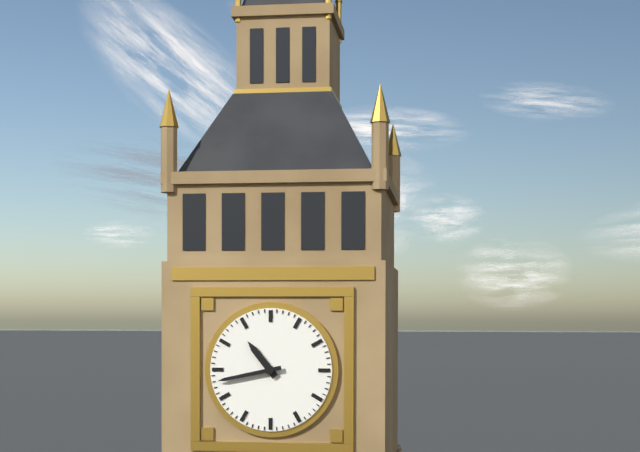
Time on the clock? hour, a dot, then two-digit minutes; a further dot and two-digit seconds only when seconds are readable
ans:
10.43
